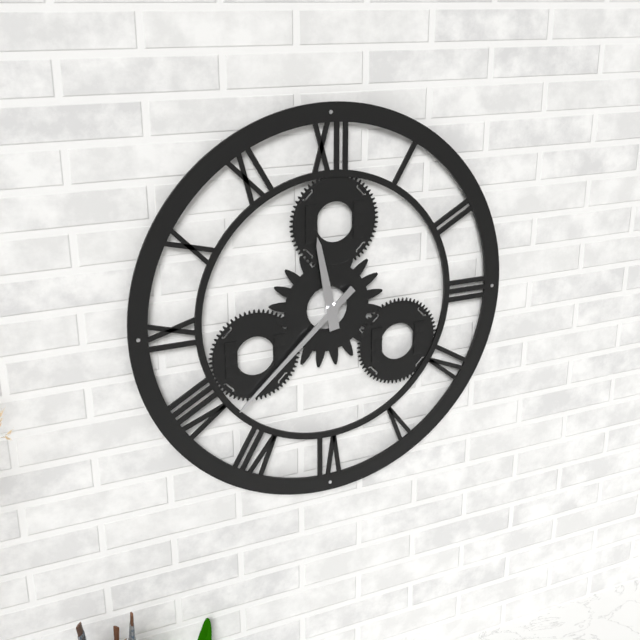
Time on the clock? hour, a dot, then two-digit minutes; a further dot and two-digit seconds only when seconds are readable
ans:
11.38
